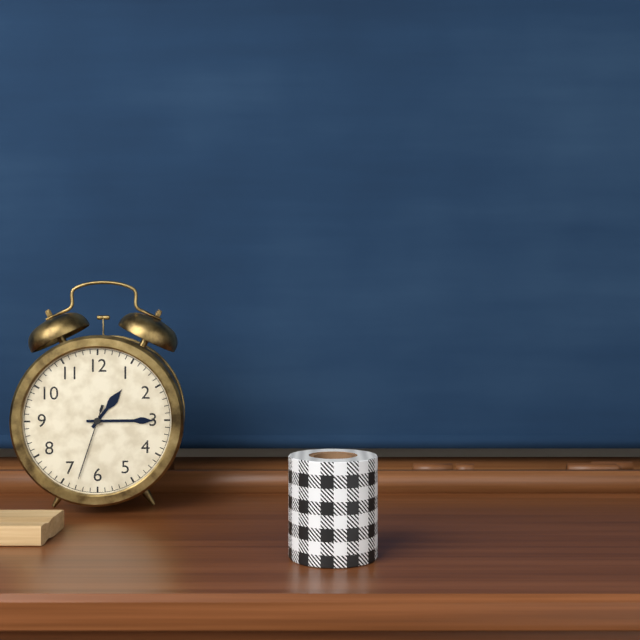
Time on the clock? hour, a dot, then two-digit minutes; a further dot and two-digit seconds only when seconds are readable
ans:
1.15.33
